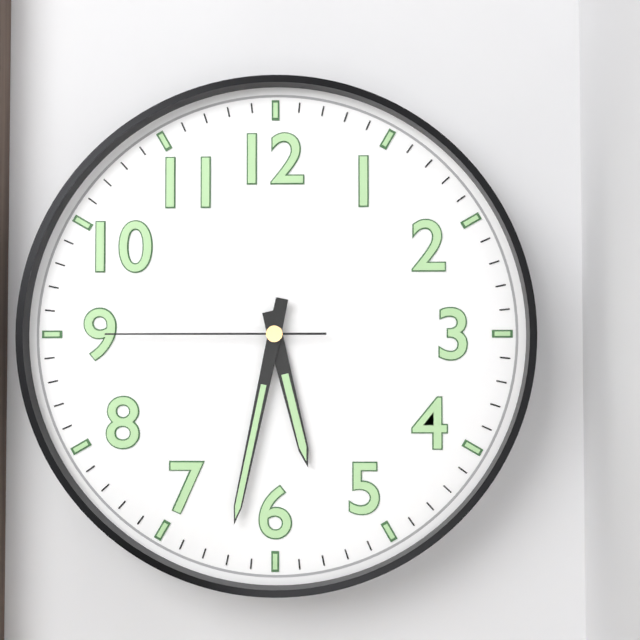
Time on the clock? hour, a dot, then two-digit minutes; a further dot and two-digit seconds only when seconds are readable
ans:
5.32.45
